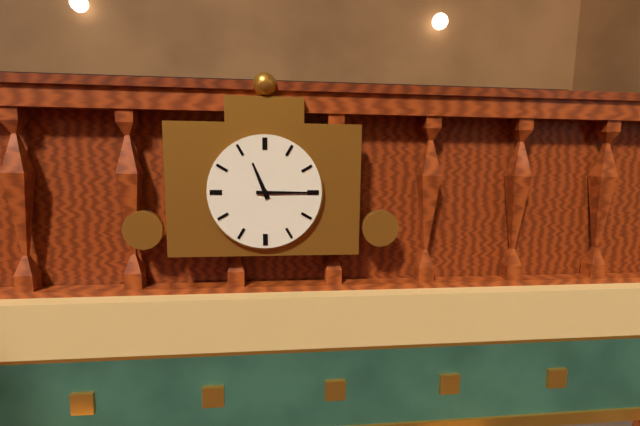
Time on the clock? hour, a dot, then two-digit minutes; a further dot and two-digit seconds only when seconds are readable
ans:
11.15
